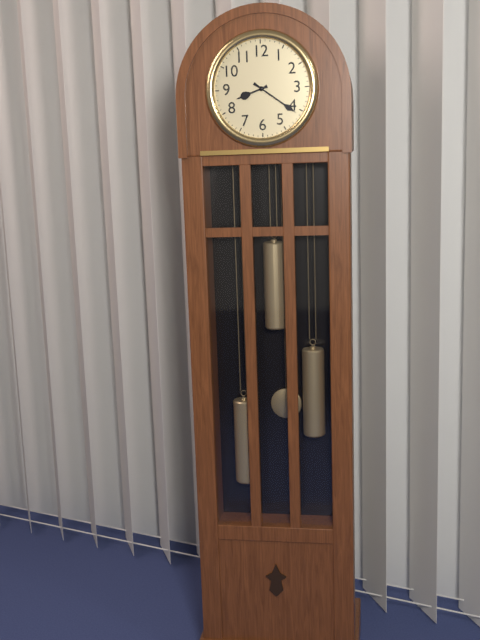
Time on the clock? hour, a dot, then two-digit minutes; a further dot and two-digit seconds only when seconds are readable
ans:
8.21
